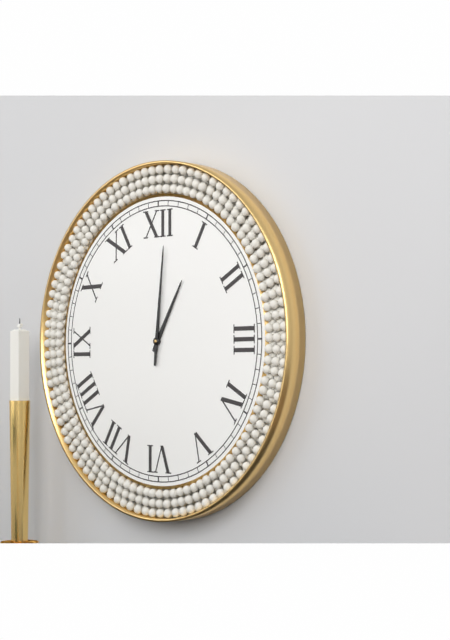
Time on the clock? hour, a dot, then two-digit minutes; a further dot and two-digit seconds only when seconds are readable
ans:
1.01
